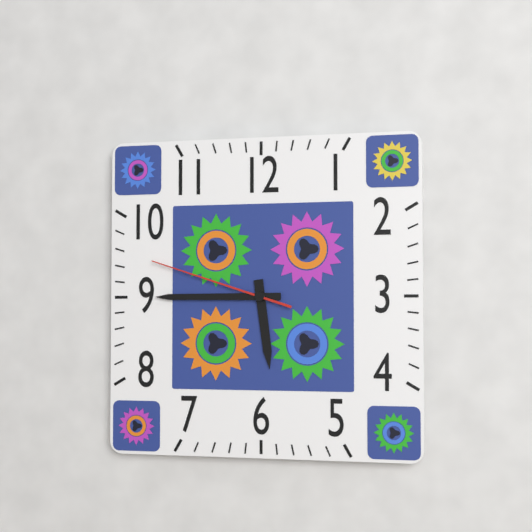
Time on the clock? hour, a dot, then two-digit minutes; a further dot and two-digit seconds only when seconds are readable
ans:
5.45.48
